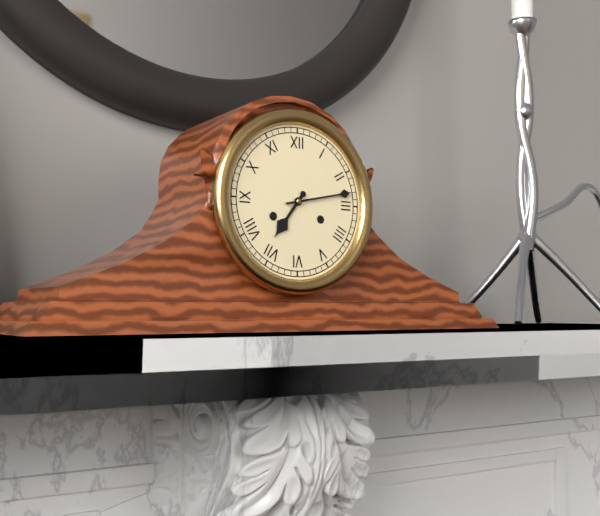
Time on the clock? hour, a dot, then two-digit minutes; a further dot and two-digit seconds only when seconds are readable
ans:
7.13
